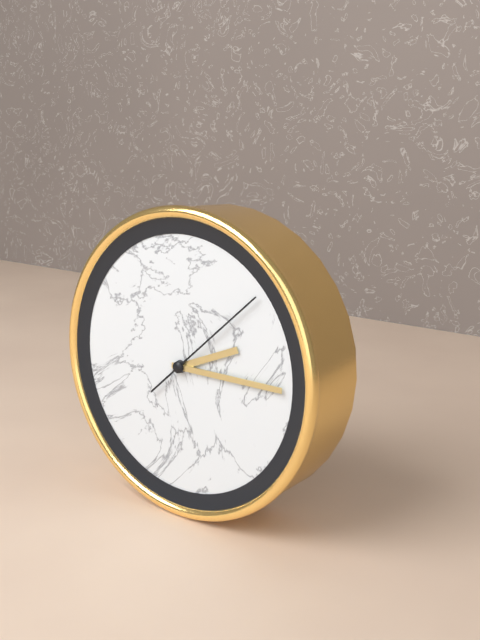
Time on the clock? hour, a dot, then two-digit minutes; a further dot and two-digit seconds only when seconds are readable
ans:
2.15.08
